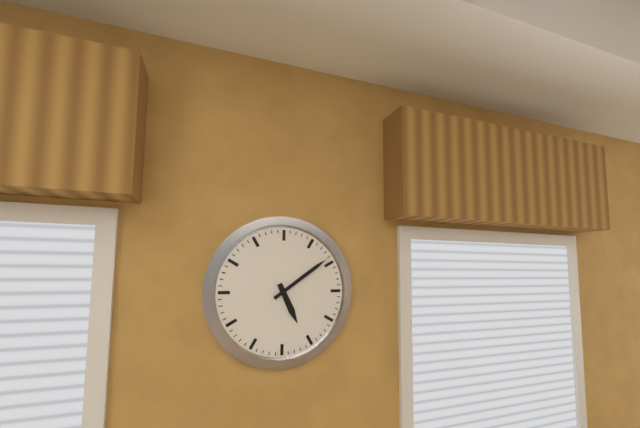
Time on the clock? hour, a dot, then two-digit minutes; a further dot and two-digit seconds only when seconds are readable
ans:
5.09
